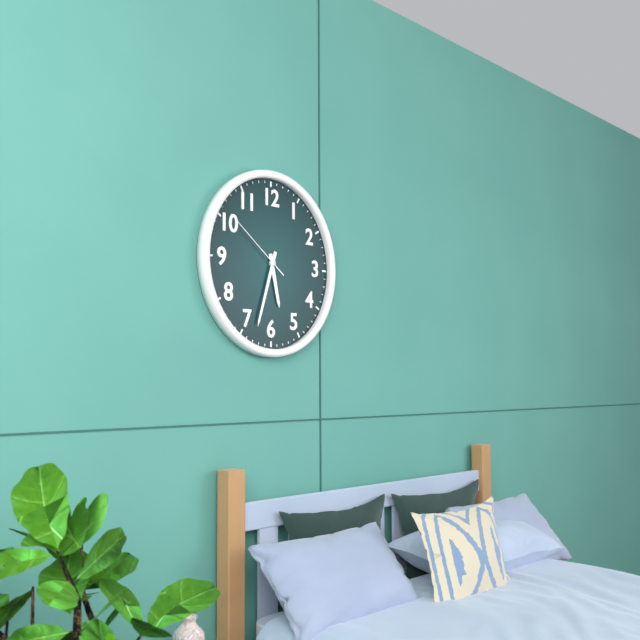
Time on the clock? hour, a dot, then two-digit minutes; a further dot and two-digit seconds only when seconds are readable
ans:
5.33.51
